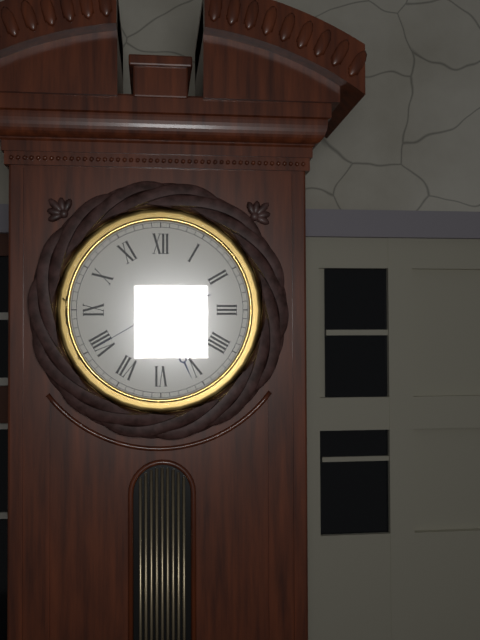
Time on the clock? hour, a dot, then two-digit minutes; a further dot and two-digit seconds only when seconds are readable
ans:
2.26.40
